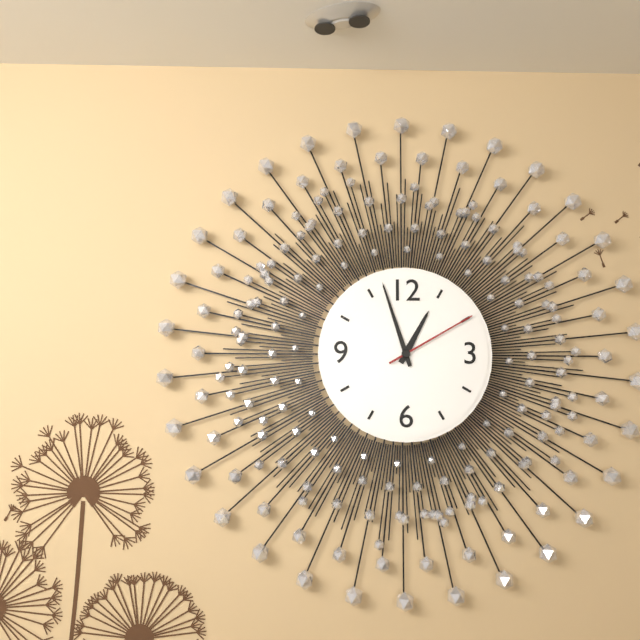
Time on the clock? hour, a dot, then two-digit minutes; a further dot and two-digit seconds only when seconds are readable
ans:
12.57.10
